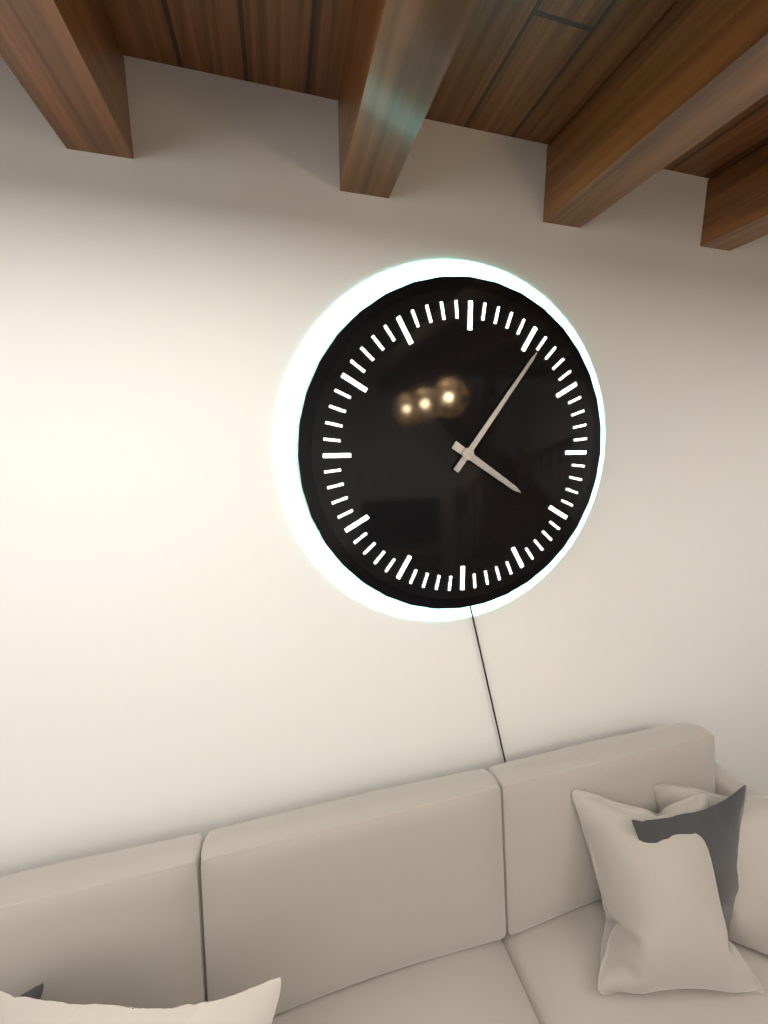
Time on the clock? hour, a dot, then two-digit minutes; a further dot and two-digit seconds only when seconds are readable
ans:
4.06
